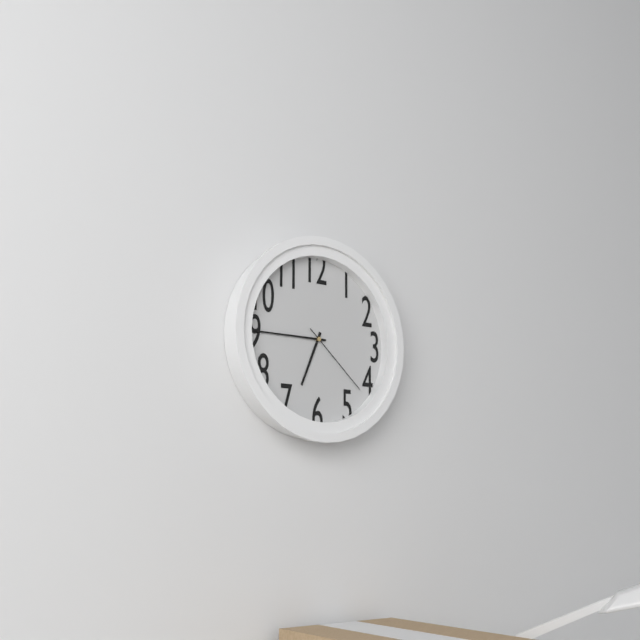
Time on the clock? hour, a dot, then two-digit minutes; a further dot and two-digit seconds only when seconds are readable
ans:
6.45.22
